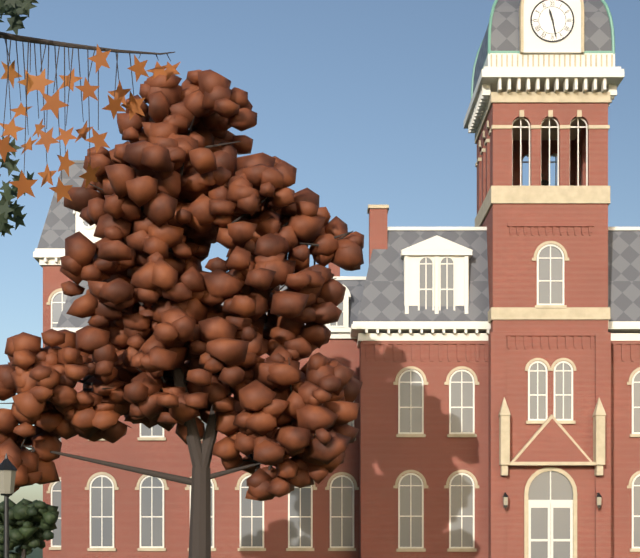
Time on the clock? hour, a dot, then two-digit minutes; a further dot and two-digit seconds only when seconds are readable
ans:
11.28
